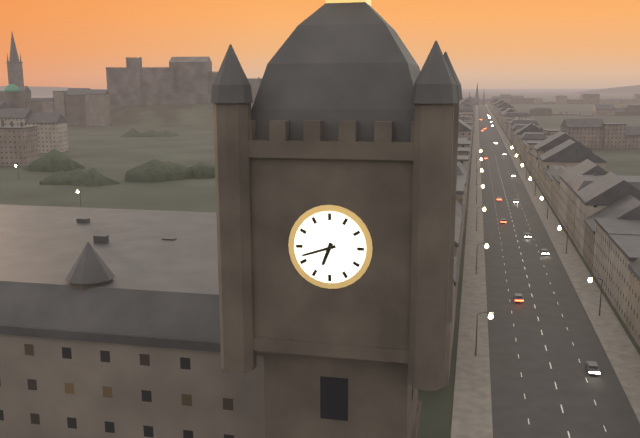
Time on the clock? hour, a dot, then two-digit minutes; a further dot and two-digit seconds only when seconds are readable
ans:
6.42
